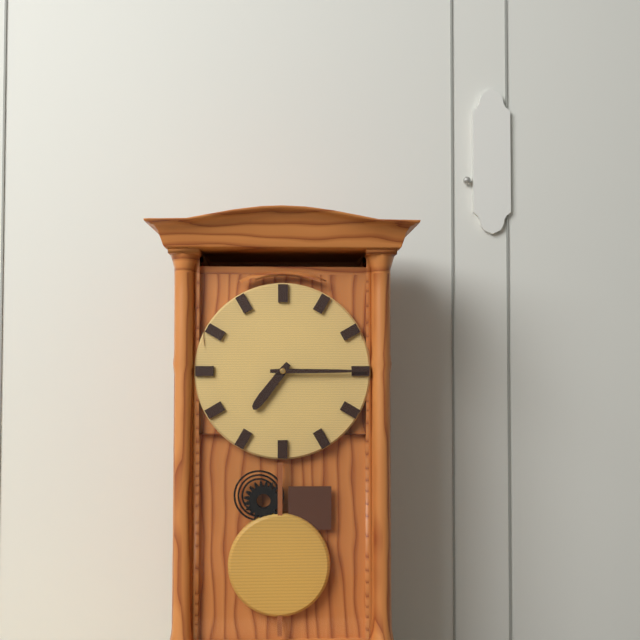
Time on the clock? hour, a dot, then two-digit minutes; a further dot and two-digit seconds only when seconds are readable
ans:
7.15
